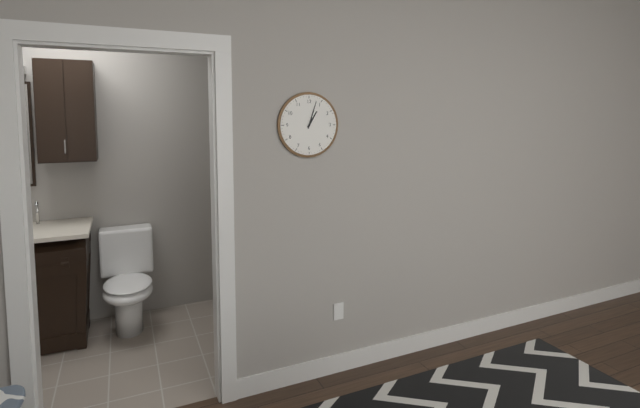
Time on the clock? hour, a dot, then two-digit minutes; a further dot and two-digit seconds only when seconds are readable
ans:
1.03
